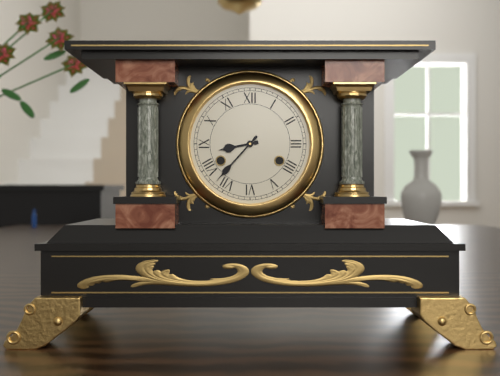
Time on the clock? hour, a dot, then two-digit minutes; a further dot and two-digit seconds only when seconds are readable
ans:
8.37
